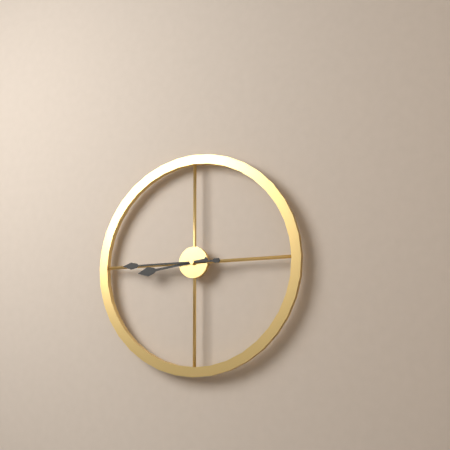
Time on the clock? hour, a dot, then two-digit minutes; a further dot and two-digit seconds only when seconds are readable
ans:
8.45
